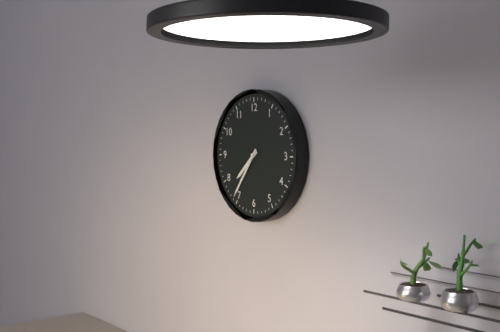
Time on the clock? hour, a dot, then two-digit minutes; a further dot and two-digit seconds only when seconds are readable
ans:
7.36
